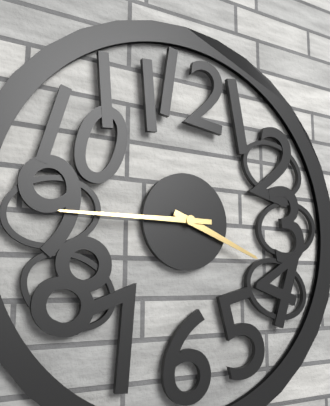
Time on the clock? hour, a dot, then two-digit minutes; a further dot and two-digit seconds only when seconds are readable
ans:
3.45
